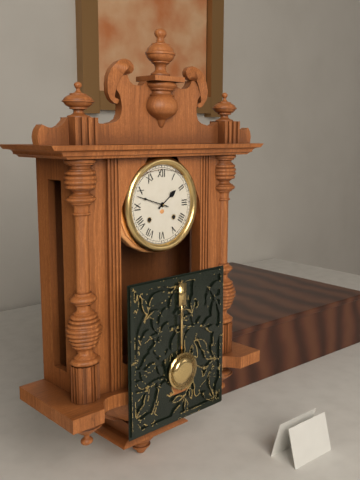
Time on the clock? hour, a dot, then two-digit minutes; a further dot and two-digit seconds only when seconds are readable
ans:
1.48
